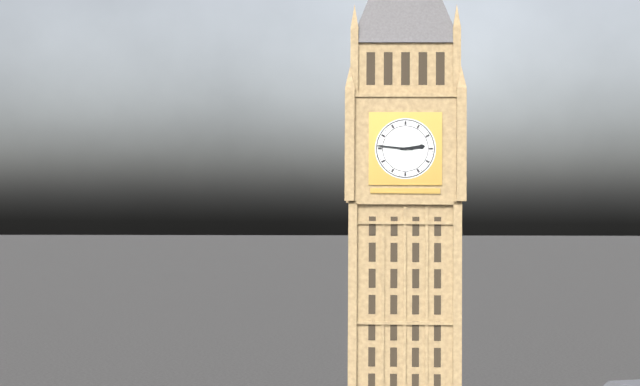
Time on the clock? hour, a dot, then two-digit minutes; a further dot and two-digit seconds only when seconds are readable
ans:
2.46
